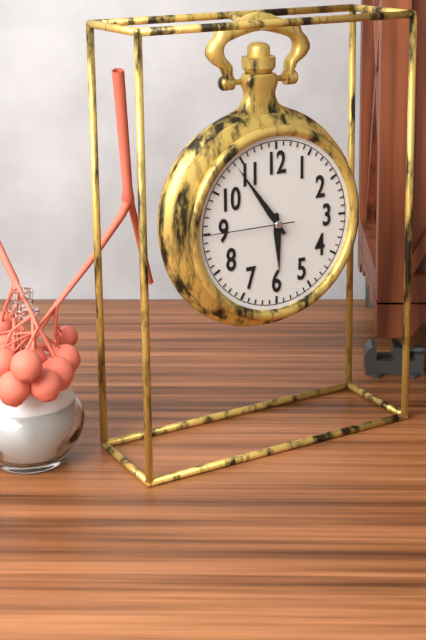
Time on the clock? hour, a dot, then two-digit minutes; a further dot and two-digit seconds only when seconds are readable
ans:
5.54.45
